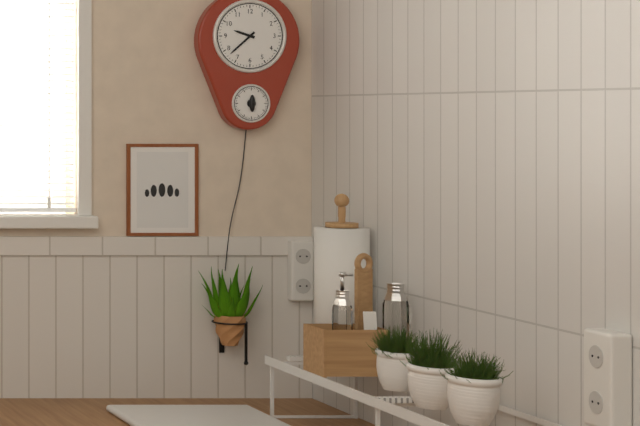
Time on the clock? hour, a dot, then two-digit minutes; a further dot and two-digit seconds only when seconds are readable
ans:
9.38
